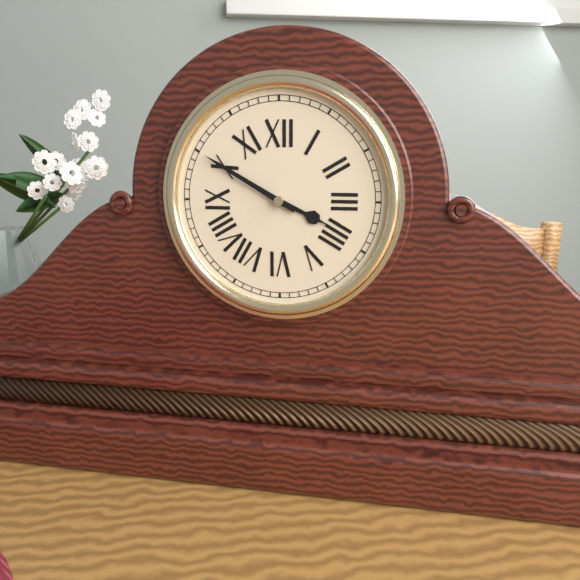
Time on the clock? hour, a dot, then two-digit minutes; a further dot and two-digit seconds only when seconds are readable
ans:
3.50
